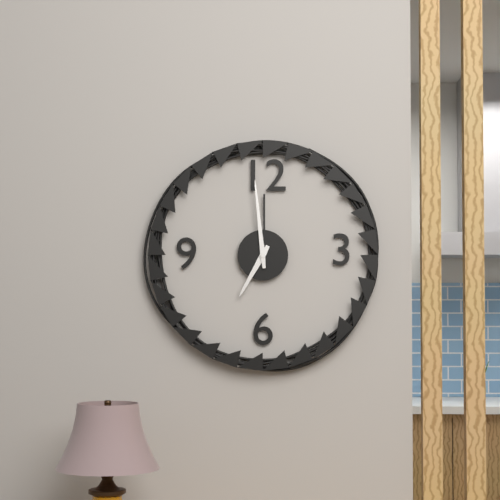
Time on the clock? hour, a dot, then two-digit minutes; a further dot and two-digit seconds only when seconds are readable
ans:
6.59
